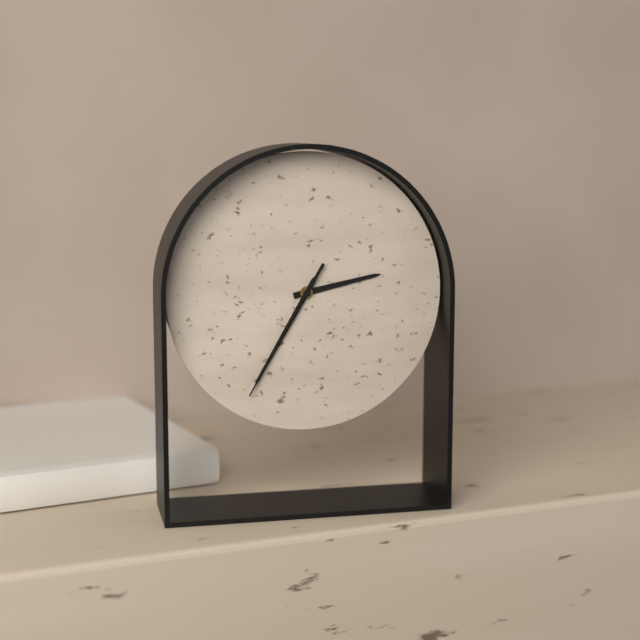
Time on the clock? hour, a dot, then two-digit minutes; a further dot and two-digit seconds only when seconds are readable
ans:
2.35.35
